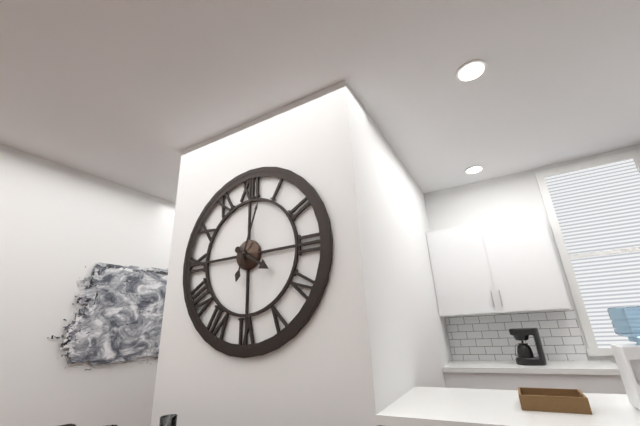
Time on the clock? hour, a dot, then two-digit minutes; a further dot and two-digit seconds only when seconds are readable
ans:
4.03
